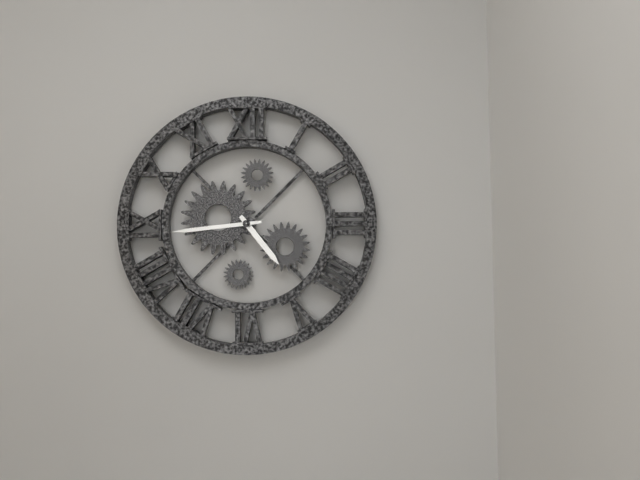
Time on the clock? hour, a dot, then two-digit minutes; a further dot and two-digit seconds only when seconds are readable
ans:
4.44
